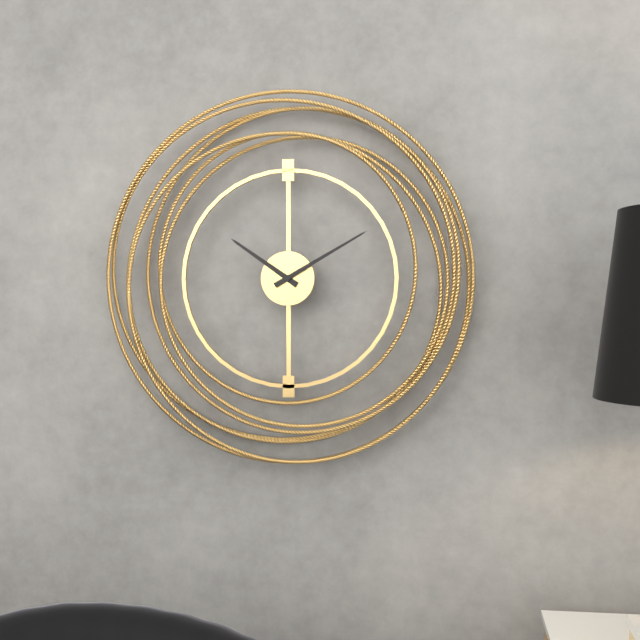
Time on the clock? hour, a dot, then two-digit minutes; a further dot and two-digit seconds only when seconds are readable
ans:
10.10
